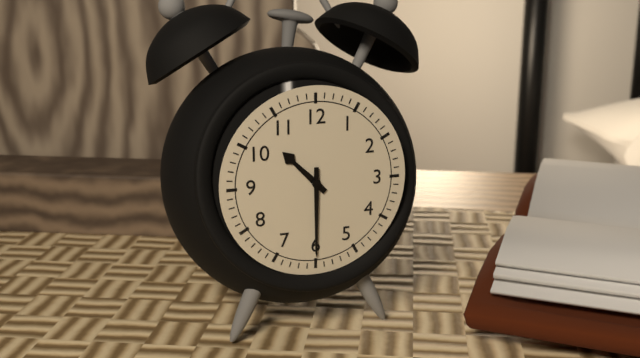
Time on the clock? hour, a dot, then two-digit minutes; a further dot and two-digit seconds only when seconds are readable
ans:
10.30
